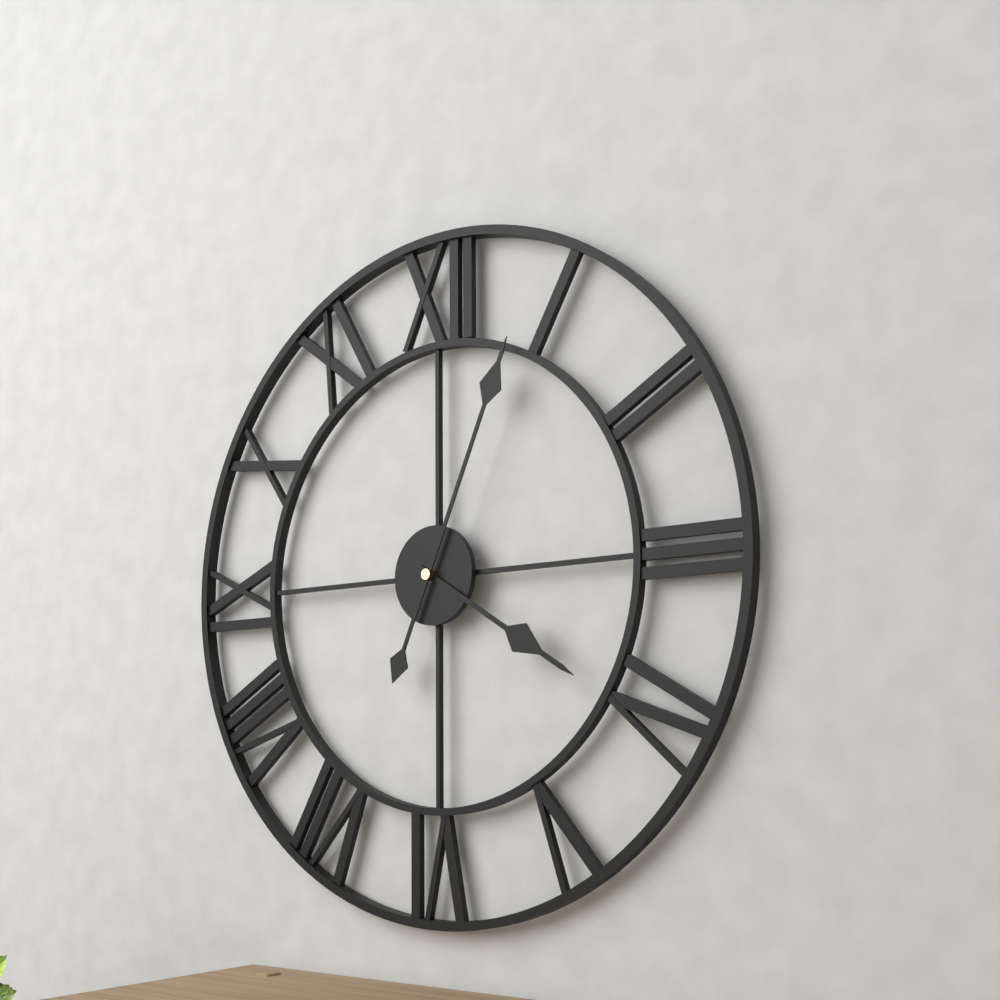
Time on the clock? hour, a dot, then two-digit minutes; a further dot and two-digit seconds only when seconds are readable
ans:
4.04
